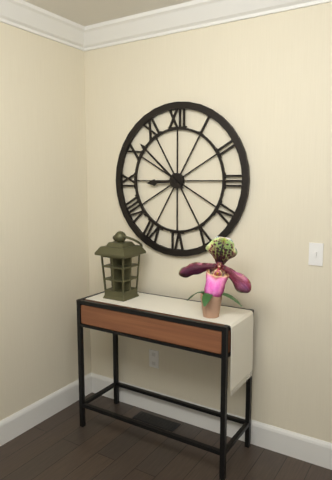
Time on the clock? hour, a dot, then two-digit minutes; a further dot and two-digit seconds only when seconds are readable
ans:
8.52
